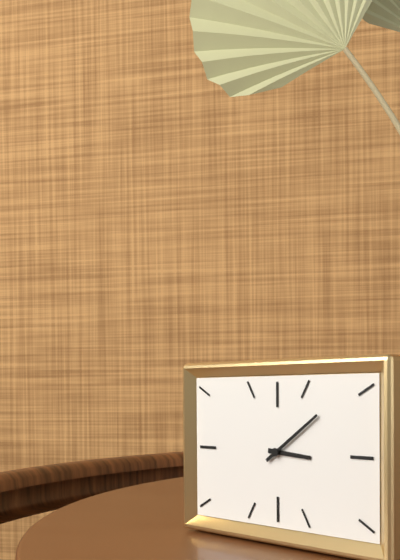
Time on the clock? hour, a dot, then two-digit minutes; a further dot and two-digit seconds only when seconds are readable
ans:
3.09
